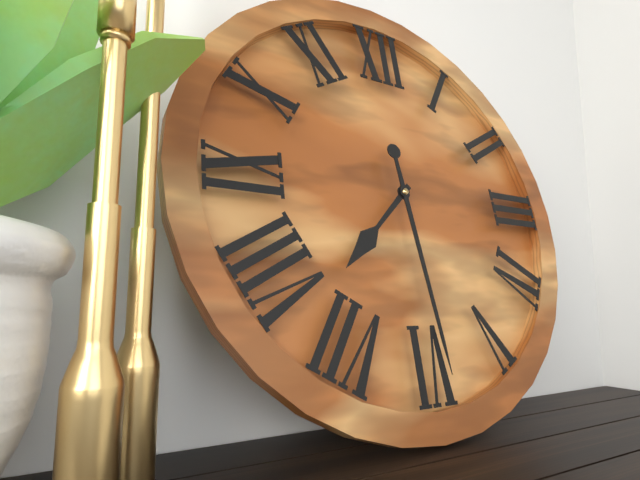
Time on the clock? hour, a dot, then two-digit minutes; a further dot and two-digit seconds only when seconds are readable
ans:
7.29
